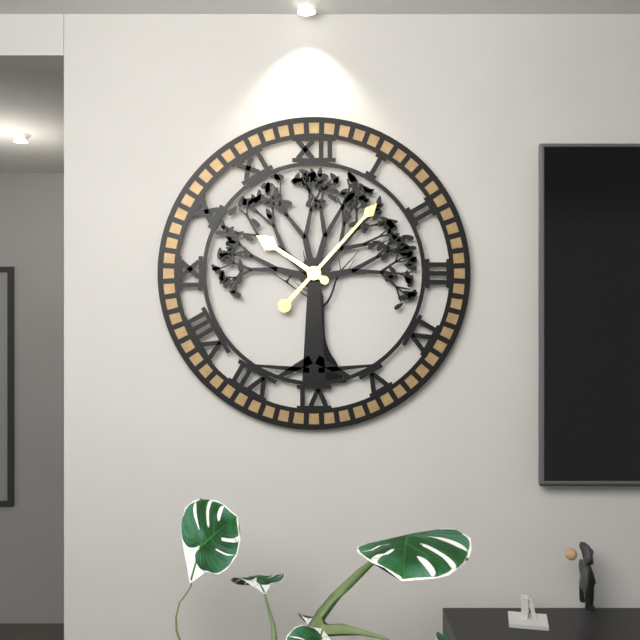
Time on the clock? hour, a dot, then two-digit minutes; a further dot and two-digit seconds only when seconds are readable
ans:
10.07
